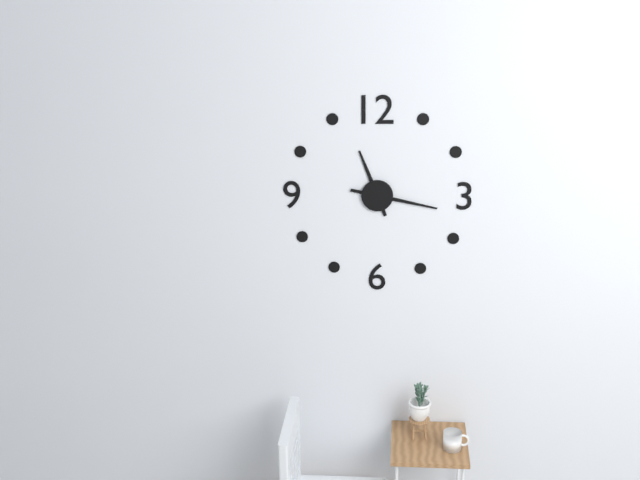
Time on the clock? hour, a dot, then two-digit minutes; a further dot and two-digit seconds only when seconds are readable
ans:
11.17
